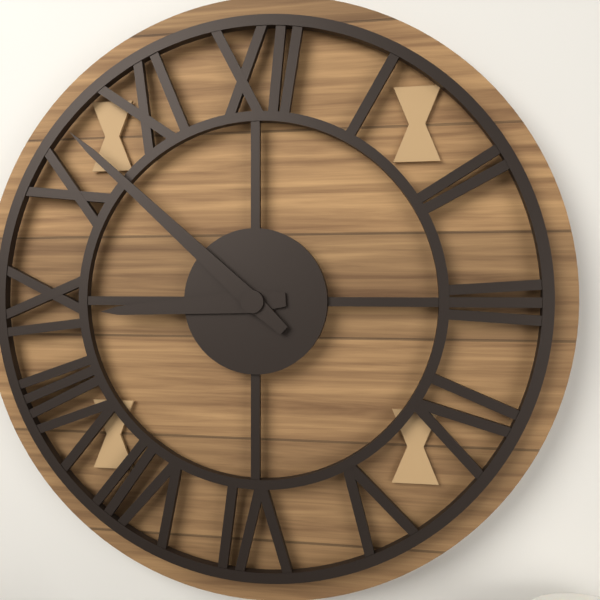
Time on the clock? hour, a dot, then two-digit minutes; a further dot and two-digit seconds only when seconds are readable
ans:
8.52
